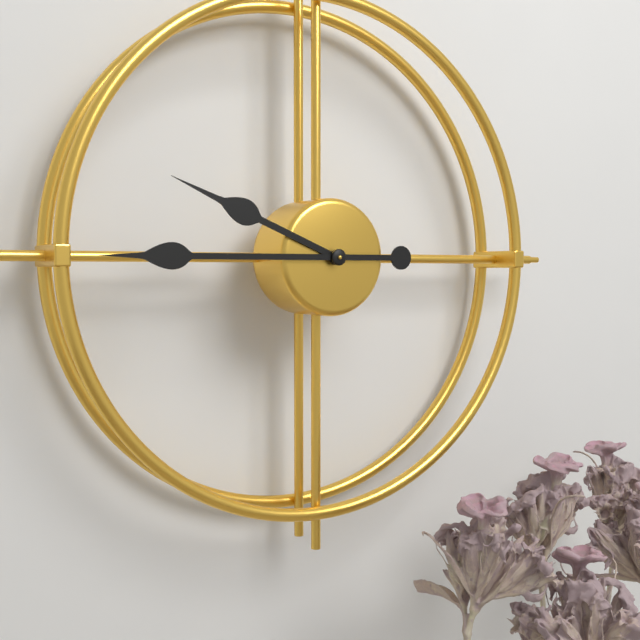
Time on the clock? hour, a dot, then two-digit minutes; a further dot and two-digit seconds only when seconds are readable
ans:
9.45
